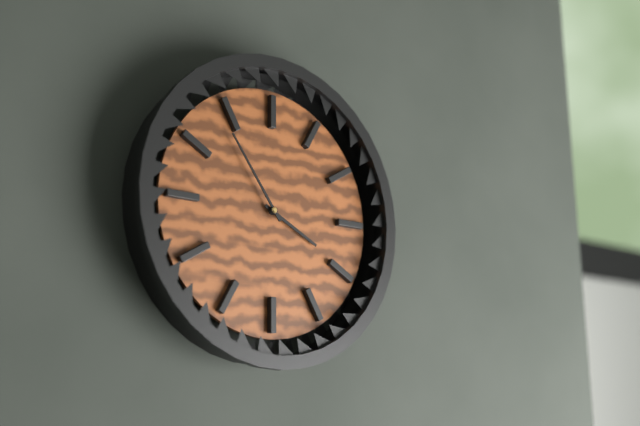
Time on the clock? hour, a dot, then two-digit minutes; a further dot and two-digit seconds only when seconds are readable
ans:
3.54
